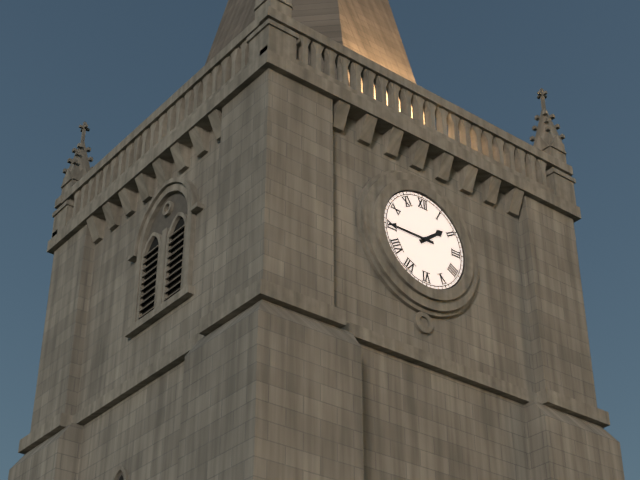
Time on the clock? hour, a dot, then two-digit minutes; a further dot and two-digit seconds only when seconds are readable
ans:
1.45
